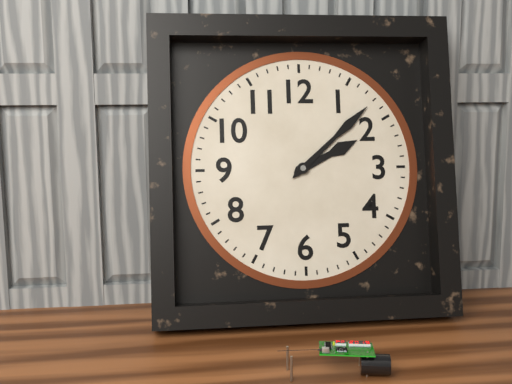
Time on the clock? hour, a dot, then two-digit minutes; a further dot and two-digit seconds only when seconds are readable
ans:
2.08
